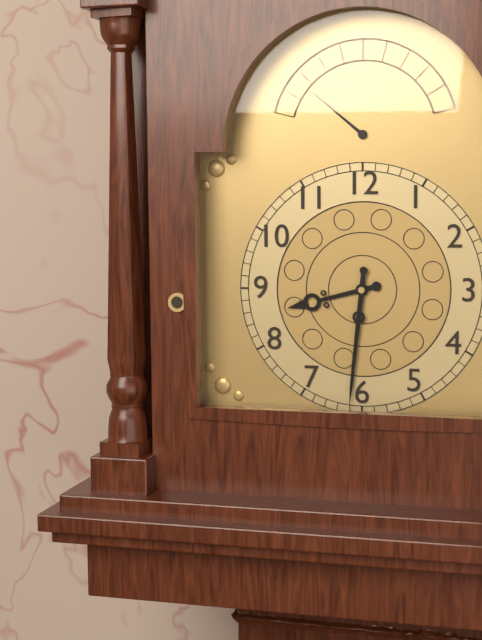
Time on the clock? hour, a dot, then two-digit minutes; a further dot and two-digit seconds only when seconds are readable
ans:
8.31
